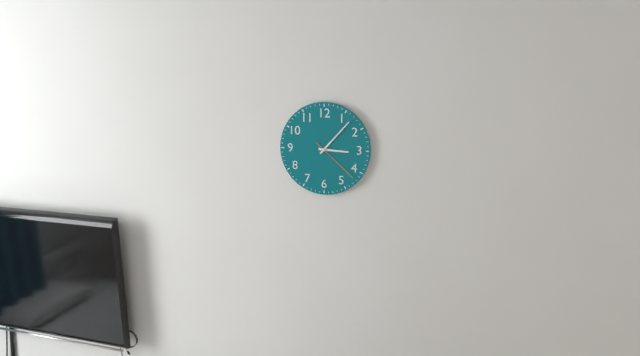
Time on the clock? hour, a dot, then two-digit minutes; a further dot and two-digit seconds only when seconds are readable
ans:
3.07.22
